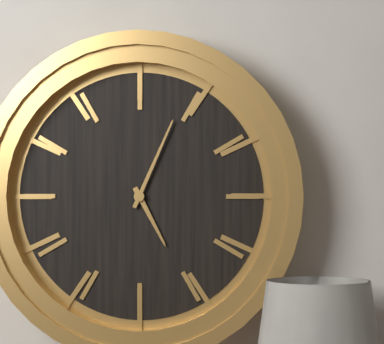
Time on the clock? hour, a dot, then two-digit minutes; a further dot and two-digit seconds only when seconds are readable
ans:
5.04
